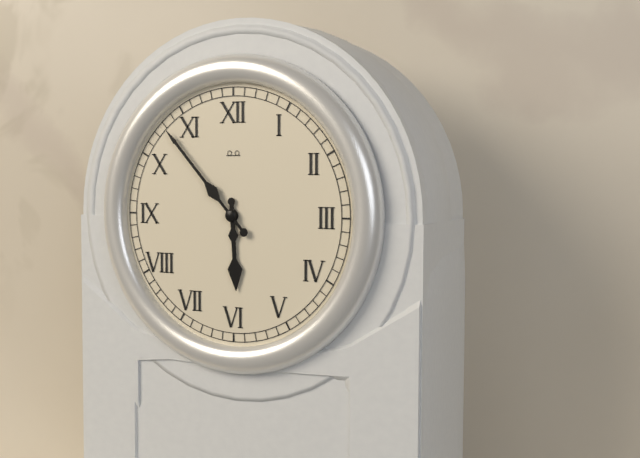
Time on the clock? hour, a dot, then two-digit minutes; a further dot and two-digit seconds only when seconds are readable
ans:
5.53
